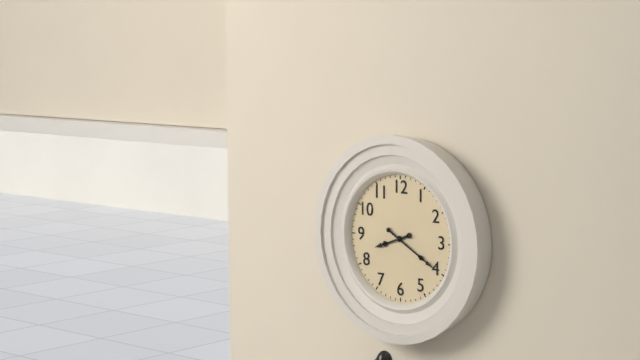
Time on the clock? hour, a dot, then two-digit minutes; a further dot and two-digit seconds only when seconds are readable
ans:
8.20
